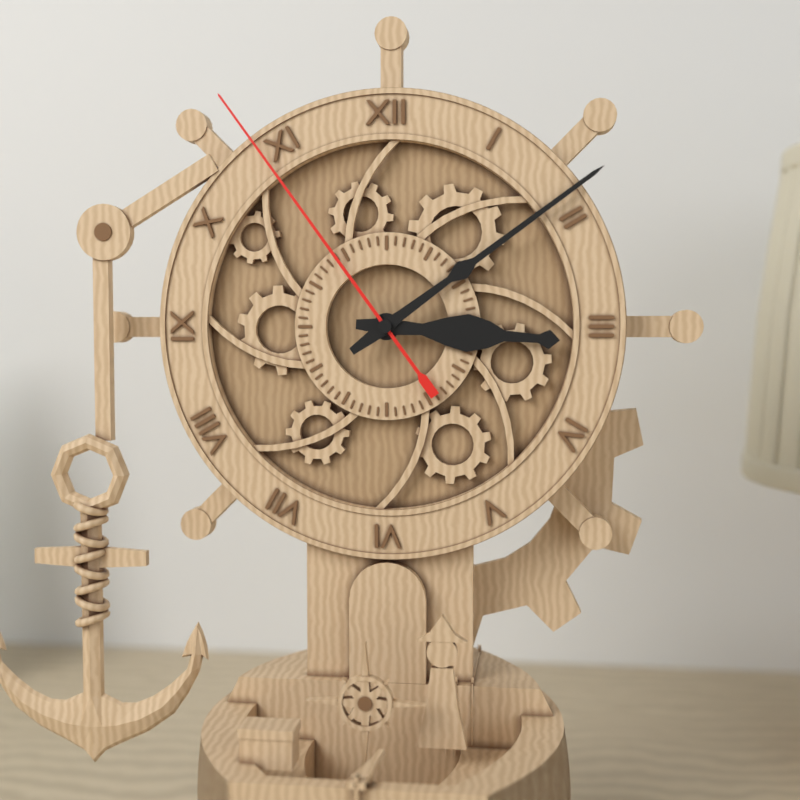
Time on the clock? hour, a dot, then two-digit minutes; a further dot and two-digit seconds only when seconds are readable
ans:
3.09.54
